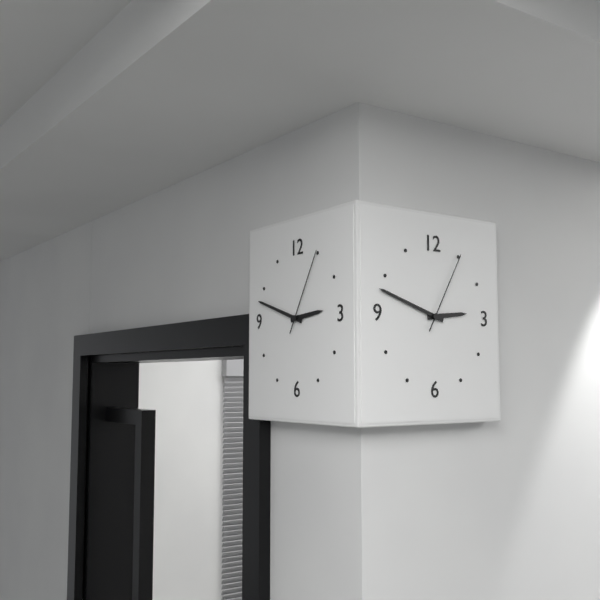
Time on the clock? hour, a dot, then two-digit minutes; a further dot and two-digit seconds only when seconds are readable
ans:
2.48.05
